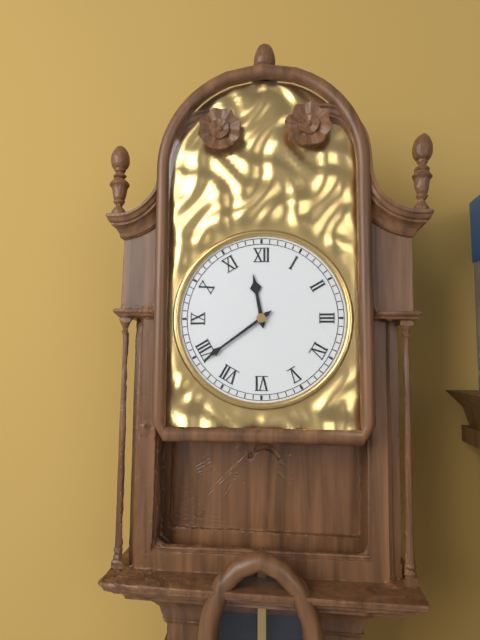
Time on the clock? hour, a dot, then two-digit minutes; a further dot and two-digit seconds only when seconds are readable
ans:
11.39
